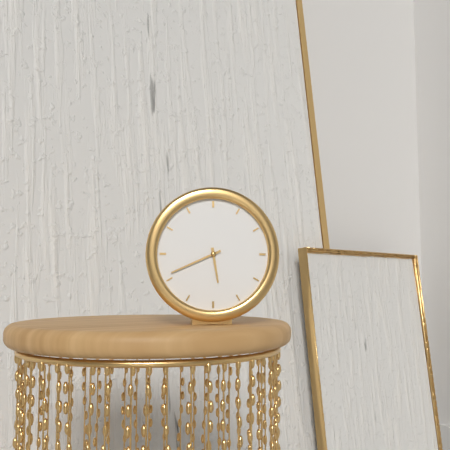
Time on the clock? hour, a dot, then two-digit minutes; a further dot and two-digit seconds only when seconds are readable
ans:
5.41
